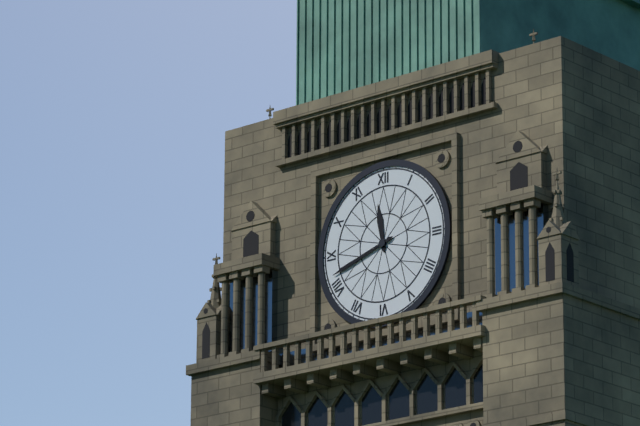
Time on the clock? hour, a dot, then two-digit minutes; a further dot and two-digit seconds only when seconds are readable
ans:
11.42
